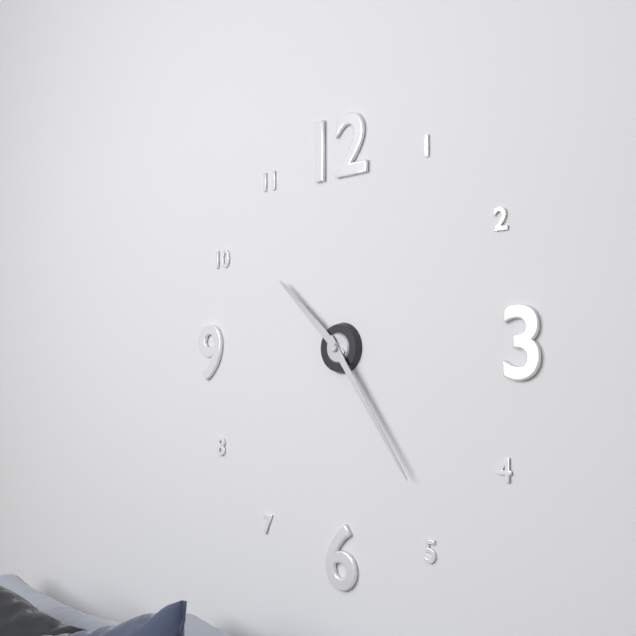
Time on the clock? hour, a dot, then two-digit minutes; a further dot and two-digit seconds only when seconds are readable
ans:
10.24
